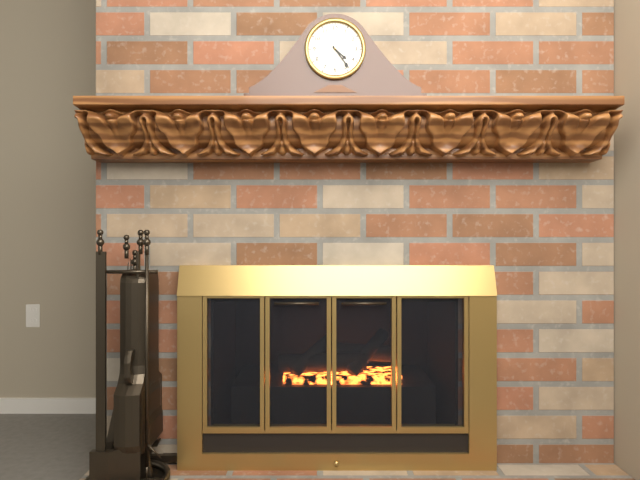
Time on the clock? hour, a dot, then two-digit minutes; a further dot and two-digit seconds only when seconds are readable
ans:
4.24
